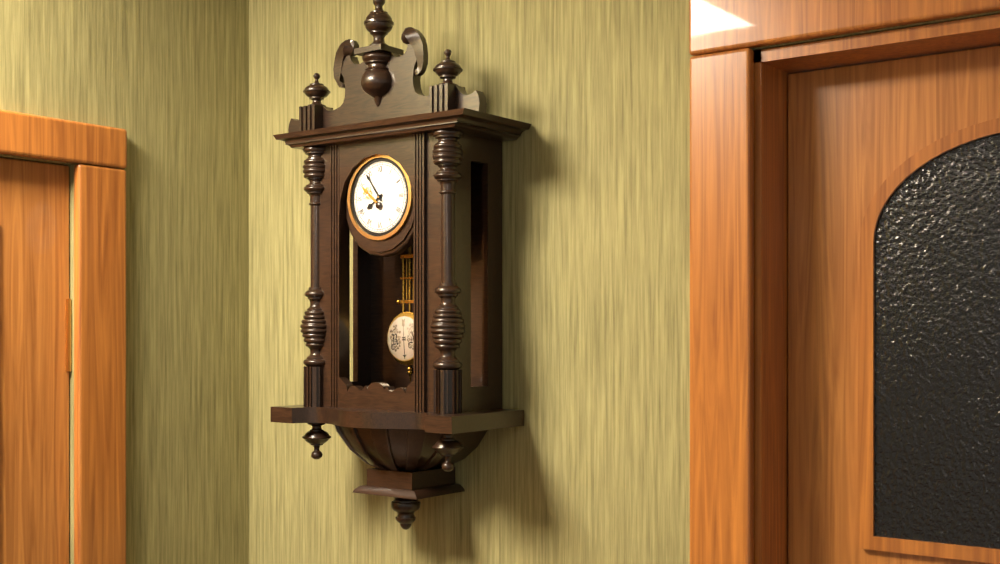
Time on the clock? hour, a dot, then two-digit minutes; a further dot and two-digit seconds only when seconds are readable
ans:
7.54
